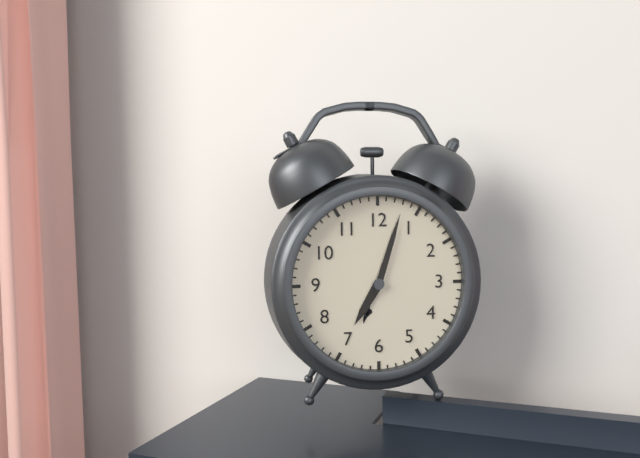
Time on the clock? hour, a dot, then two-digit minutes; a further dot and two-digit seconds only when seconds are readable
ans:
7.03
